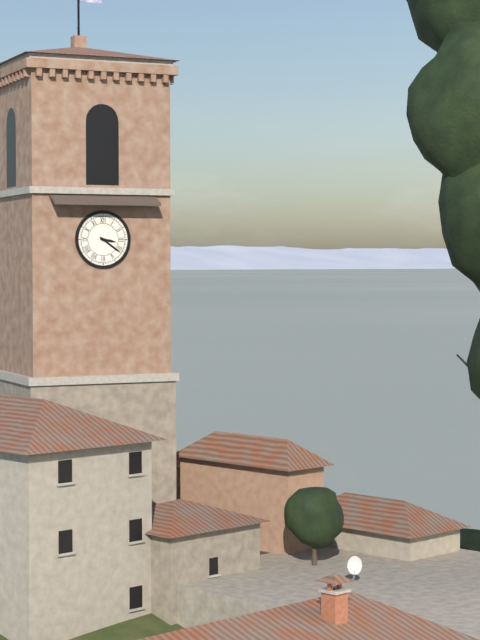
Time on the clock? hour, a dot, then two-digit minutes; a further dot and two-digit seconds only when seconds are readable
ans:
3.21
